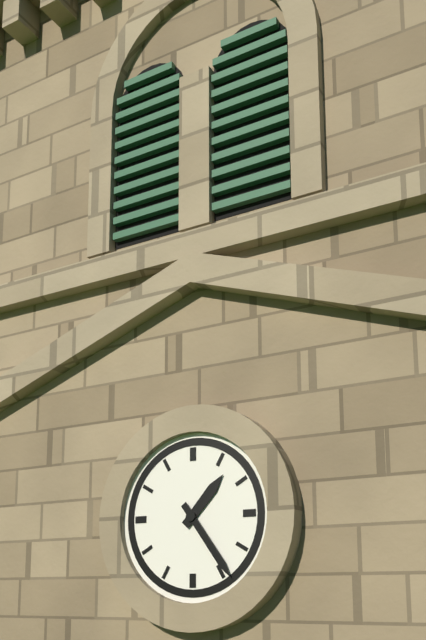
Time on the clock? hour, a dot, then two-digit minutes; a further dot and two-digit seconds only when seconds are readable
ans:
1.24
